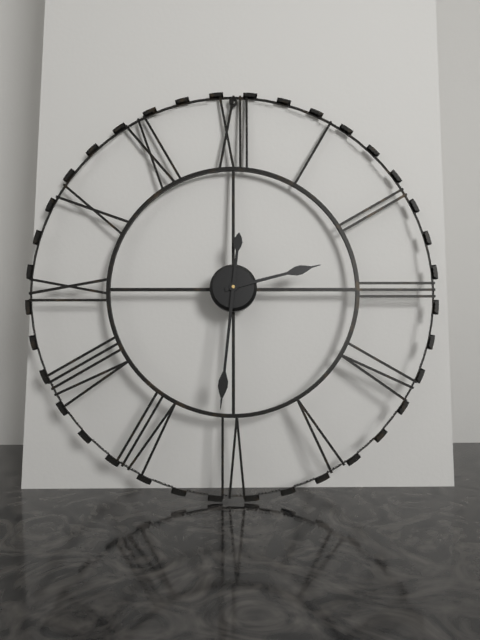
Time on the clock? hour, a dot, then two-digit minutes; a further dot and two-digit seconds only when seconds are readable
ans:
2.31
